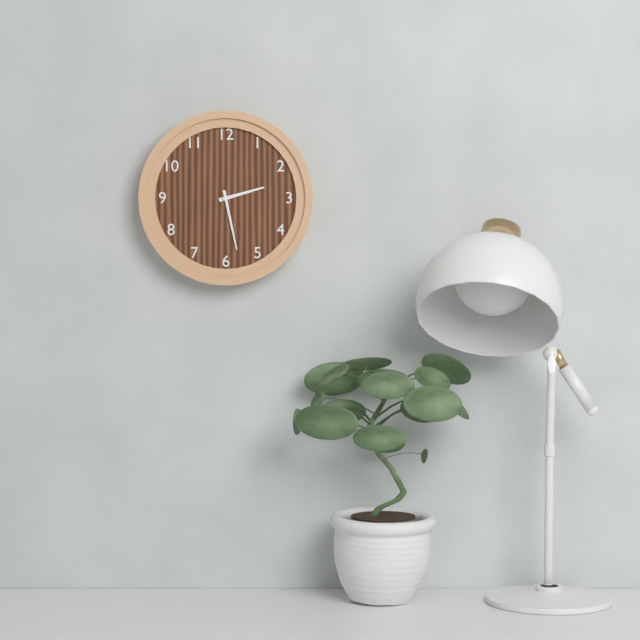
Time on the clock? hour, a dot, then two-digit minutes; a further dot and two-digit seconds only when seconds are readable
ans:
2.28
